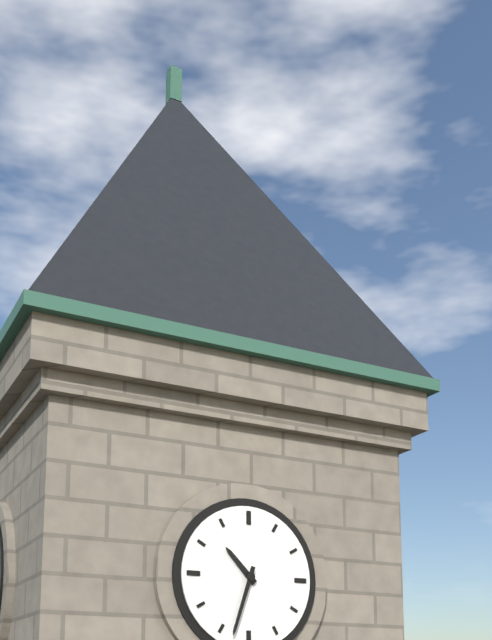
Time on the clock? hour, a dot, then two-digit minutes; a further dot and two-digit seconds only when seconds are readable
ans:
10.33
